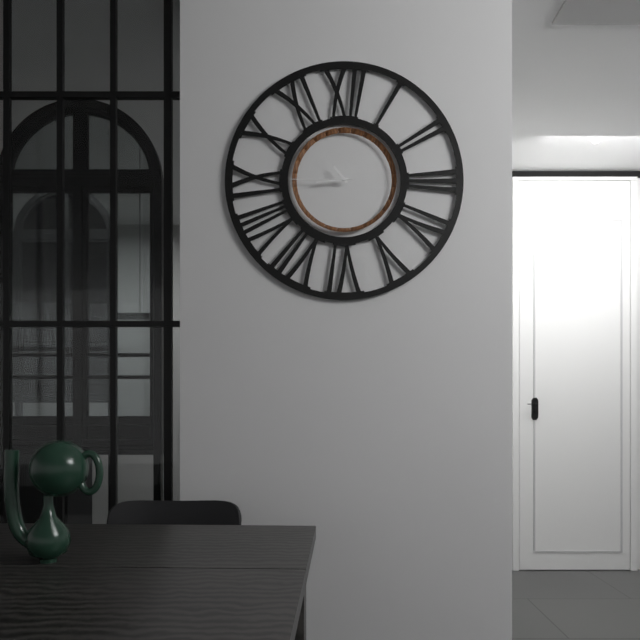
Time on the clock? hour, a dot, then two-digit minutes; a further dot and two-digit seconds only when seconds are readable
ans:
10.44.45
